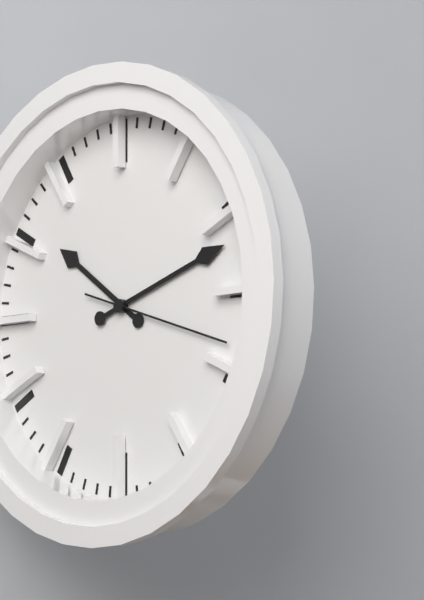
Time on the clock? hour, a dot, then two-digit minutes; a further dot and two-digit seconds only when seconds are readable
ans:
10.12.18
